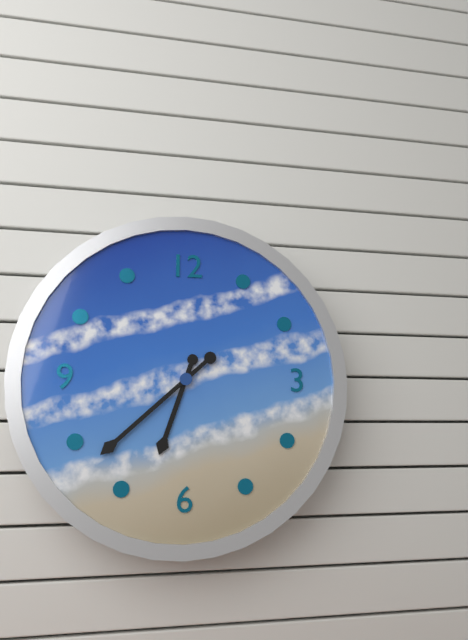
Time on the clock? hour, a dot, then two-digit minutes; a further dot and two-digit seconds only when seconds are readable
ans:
6.38
